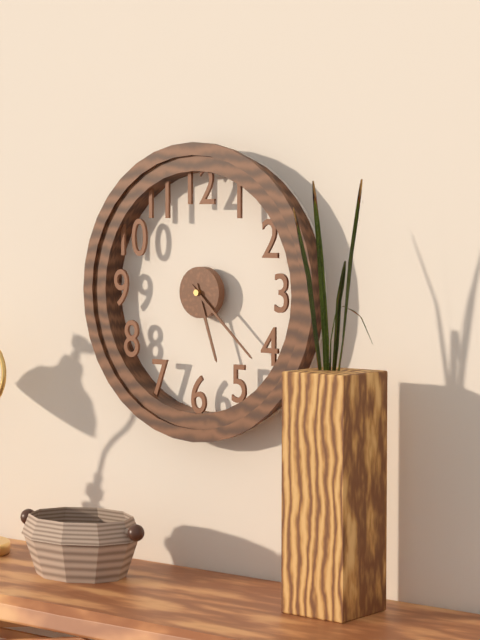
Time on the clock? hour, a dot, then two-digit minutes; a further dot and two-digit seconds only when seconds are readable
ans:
5.22
